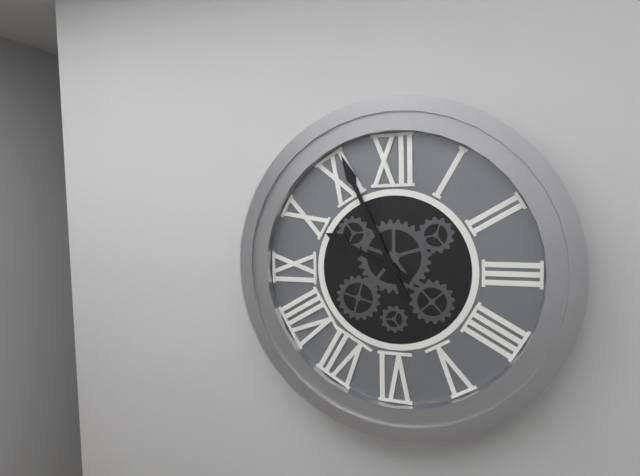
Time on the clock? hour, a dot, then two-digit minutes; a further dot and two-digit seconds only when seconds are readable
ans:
9.56
